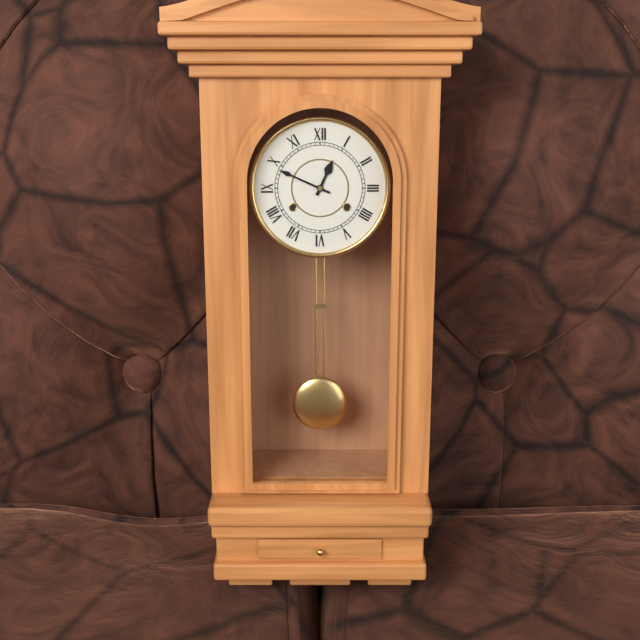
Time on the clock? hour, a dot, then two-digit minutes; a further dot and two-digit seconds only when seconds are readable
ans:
12.49
